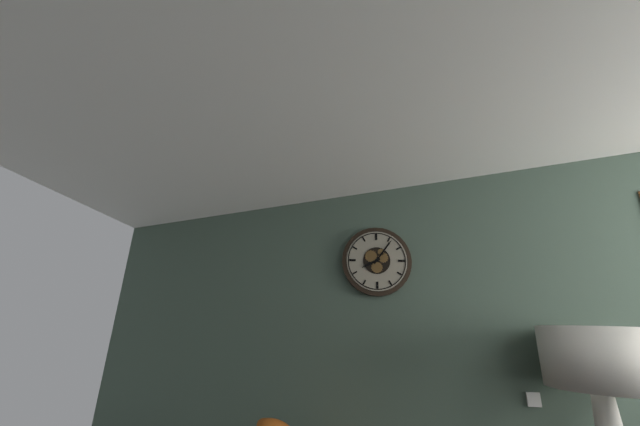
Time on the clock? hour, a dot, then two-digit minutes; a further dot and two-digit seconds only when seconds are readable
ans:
8.06
